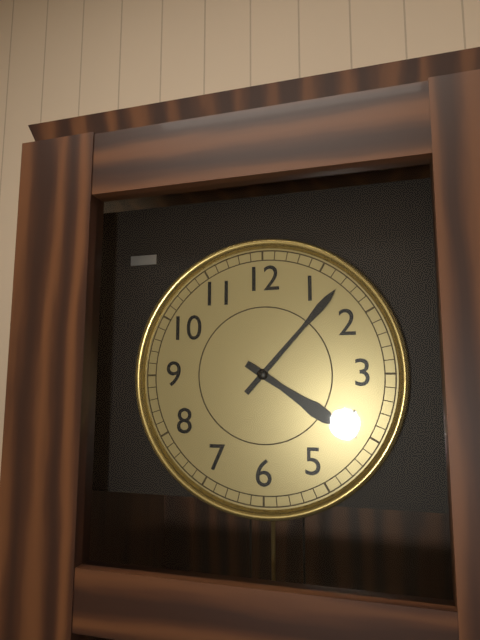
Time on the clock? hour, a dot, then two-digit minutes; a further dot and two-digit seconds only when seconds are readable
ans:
4.07
